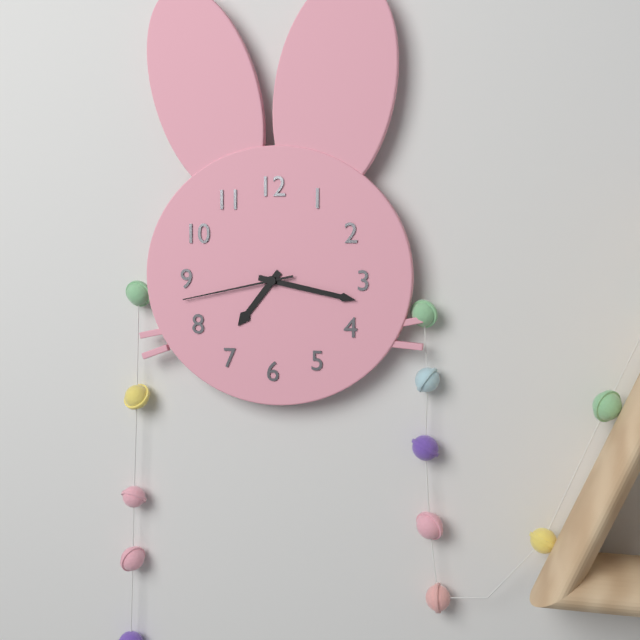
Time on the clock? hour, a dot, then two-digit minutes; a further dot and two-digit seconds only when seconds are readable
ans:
7.17.43
